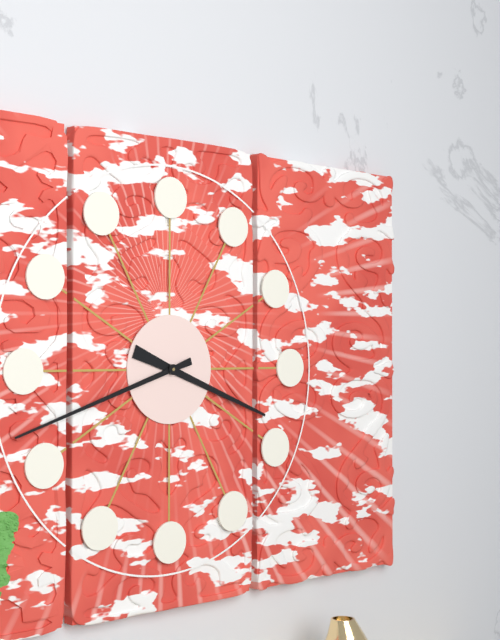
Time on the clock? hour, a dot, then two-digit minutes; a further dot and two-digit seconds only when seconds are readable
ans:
3.42
